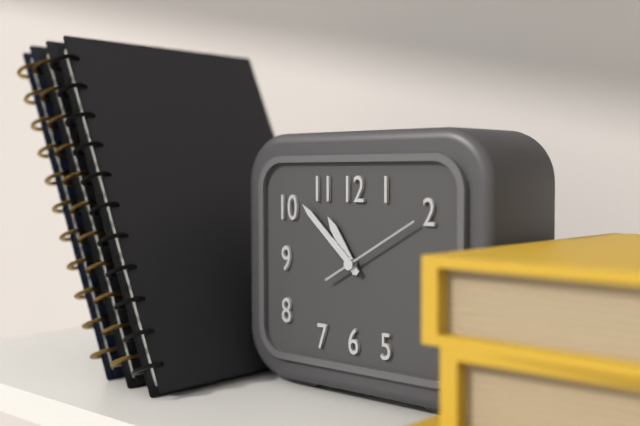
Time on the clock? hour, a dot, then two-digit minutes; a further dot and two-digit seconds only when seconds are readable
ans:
10.52.10
